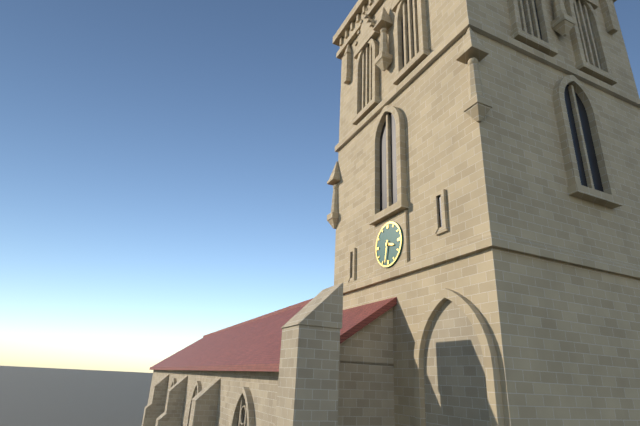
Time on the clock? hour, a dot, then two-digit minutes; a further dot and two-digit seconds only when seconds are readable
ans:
3.32
